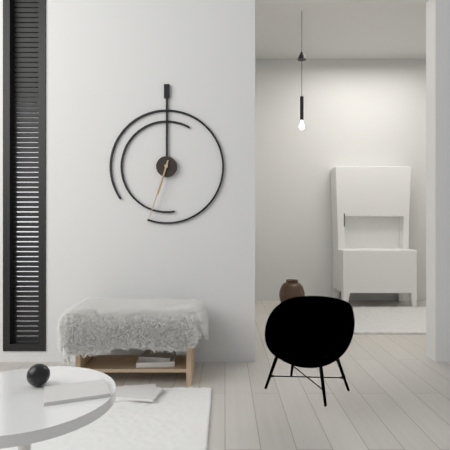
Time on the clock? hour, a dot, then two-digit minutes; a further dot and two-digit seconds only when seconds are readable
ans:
6.33
